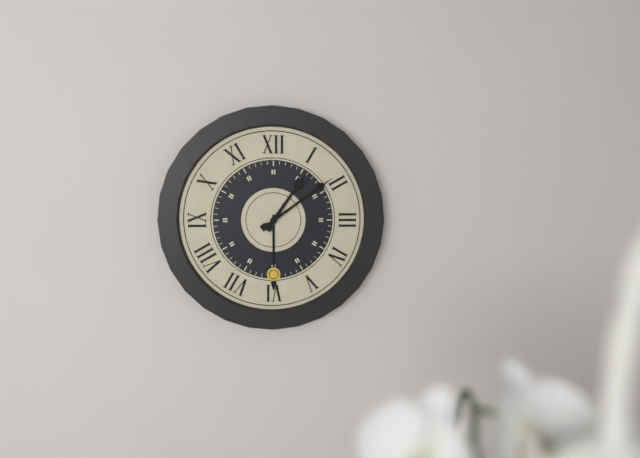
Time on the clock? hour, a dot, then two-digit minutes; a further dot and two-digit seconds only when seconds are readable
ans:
1.09
